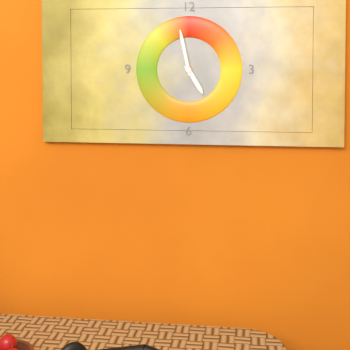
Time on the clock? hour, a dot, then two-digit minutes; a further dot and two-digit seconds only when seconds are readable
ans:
4.58
